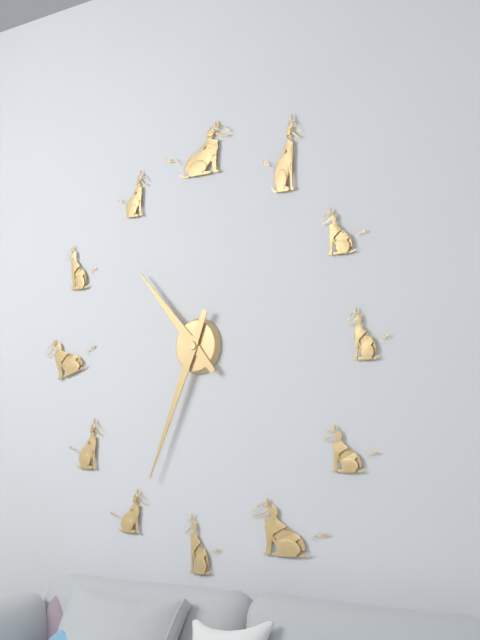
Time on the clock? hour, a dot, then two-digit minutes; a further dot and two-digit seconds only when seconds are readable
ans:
10.34
